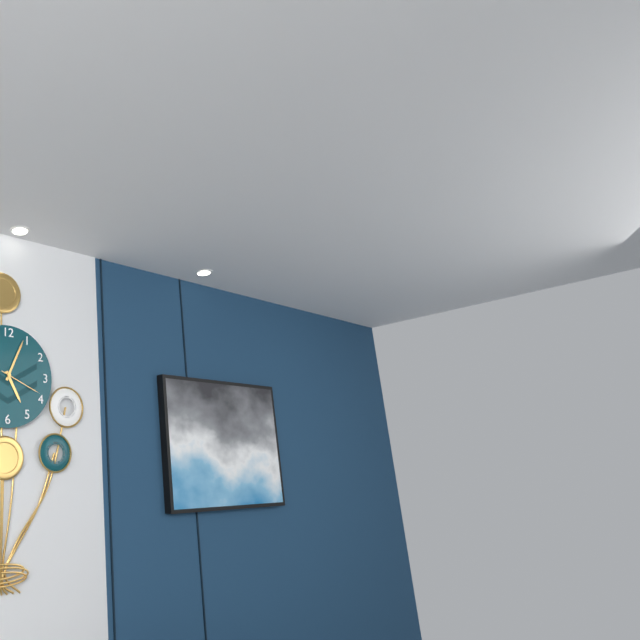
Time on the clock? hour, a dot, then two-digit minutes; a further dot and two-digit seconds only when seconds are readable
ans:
5.04
